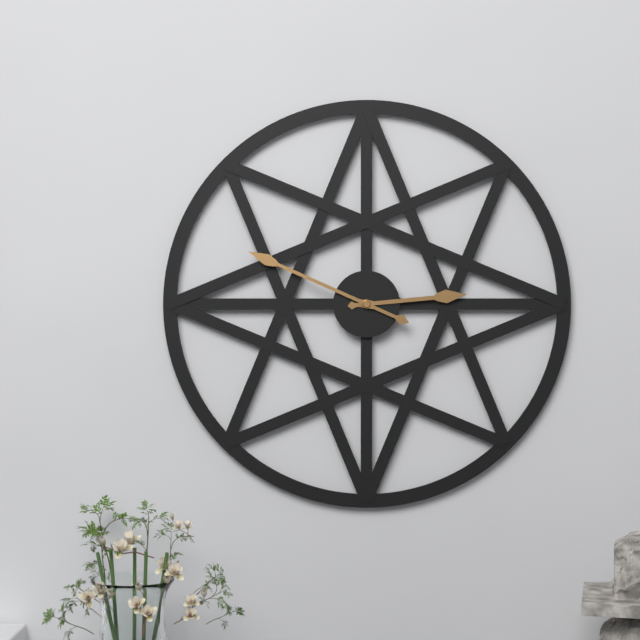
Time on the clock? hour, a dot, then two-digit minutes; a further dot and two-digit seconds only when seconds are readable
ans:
2.49
